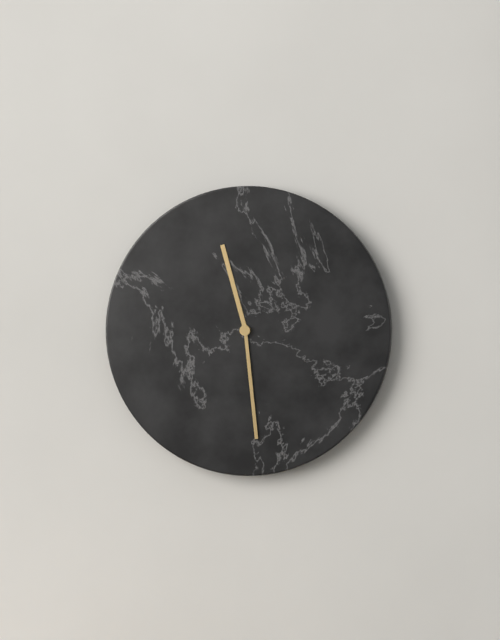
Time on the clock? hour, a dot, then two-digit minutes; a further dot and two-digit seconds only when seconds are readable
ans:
11.29
